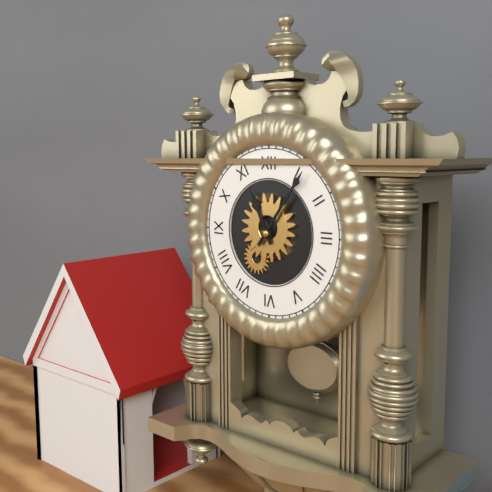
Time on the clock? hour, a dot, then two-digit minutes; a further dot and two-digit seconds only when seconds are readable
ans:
11.06
